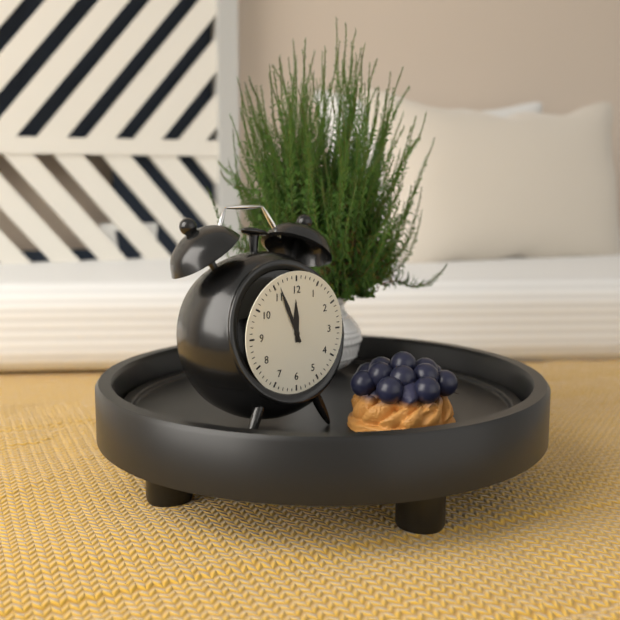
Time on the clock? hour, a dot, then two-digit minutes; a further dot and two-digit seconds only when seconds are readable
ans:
11.56
